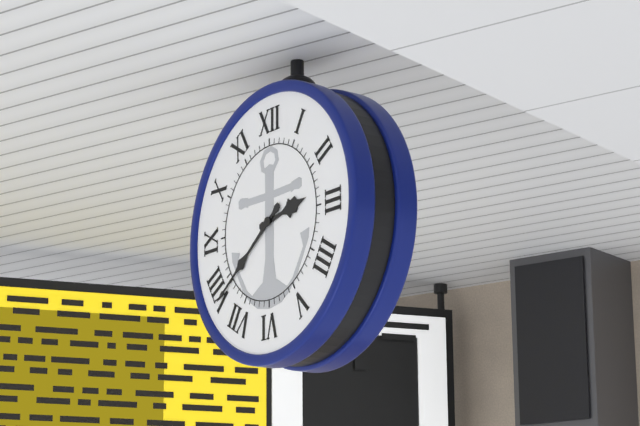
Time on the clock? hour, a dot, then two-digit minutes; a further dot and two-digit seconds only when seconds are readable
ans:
2.39
